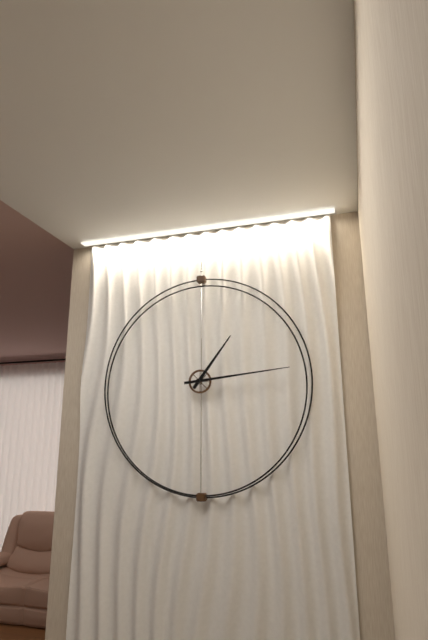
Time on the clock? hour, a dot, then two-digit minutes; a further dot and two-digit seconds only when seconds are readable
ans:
1.14
